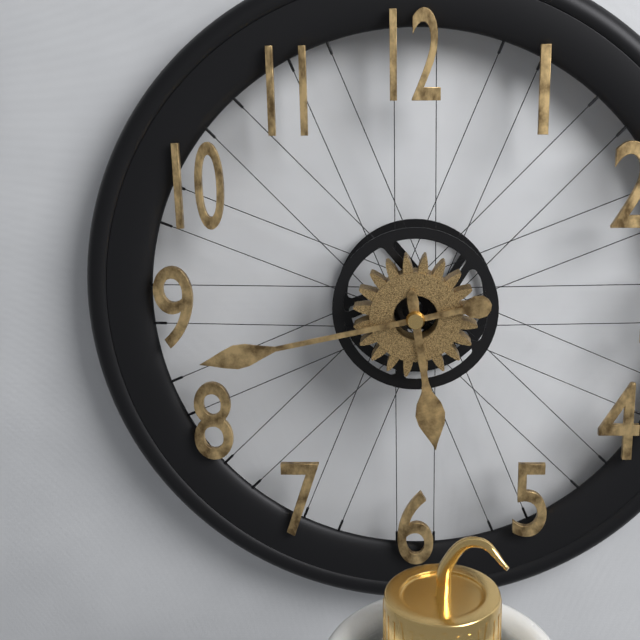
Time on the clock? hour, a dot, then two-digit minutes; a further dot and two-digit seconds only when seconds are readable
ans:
5.43
